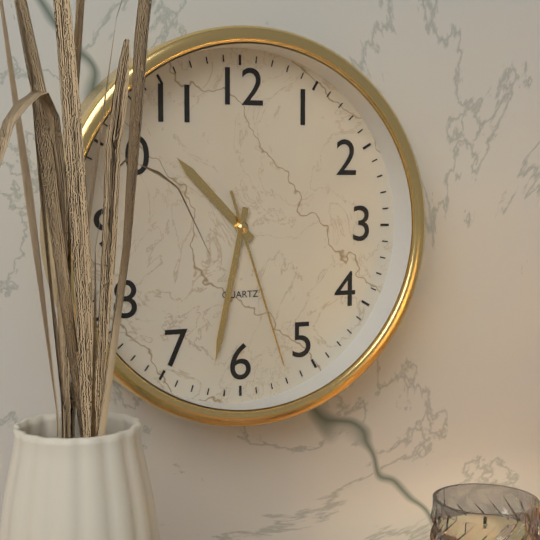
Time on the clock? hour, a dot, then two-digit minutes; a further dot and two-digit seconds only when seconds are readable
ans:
10.32.27
